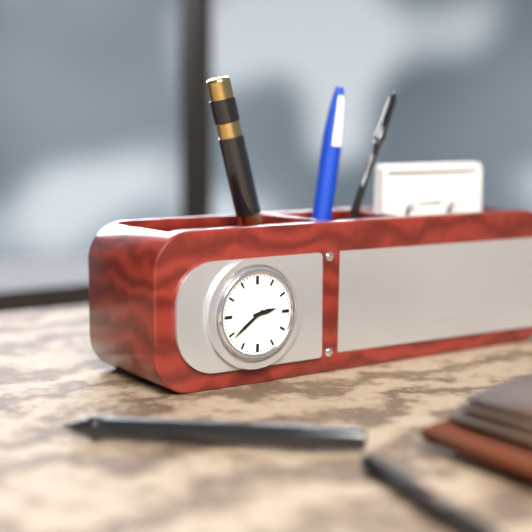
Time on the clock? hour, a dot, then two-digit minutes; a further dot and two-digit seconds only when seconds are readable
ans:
2.39
